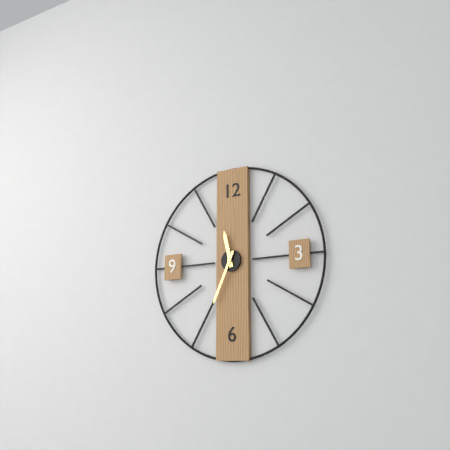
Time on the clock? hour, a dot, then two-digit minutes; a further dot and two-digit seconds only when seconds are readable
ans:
11.34
